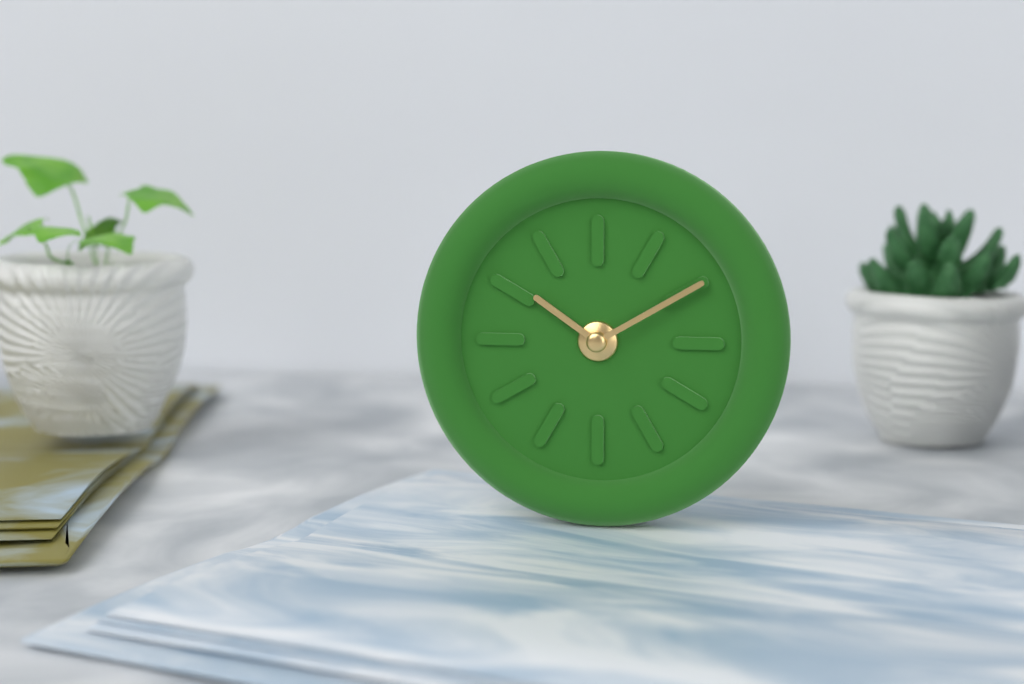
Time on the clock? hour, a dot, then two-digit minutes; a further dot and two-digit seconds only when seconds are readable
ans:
10.10
